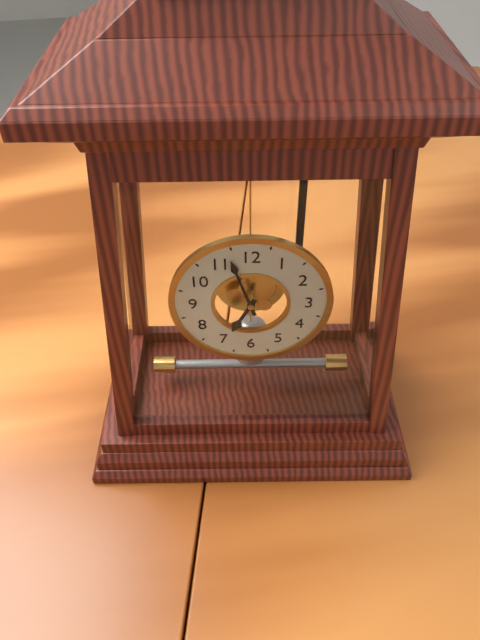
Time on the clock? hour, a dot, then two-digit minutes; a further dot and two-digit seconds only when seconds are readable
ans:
6.57
